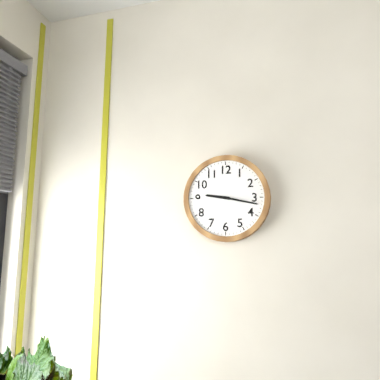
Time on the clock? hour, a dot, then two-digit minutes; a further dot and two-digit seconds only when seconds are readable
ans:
9.17
